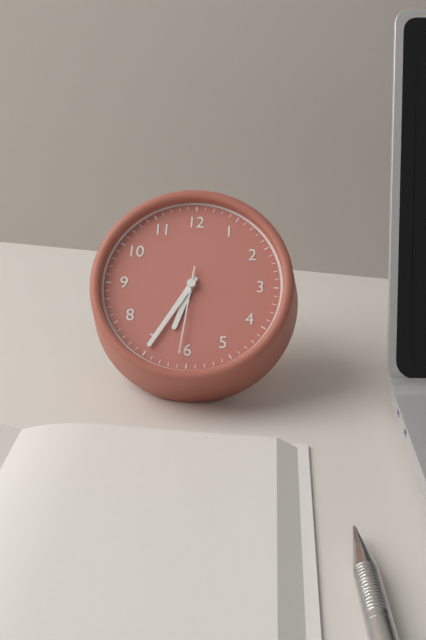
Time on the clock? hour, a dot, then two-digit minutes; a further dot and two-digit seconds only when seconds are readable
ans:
6.35.31
